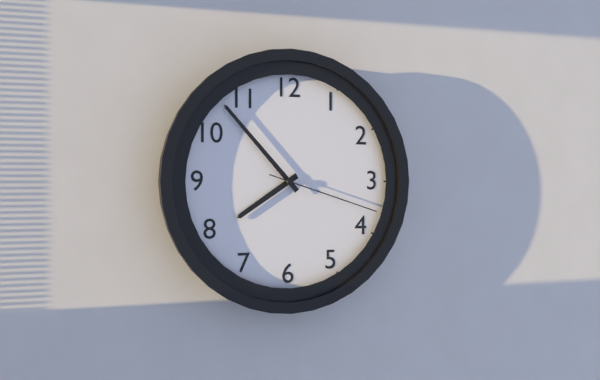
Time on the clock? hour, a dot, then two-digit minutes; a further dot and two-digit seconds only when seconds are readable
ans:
7.53.18
